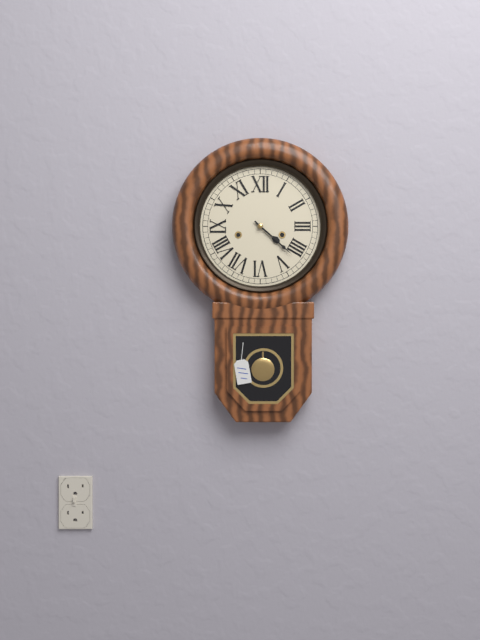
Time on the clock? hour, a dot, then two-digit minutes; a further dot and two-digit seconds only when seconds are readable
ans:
4.22
